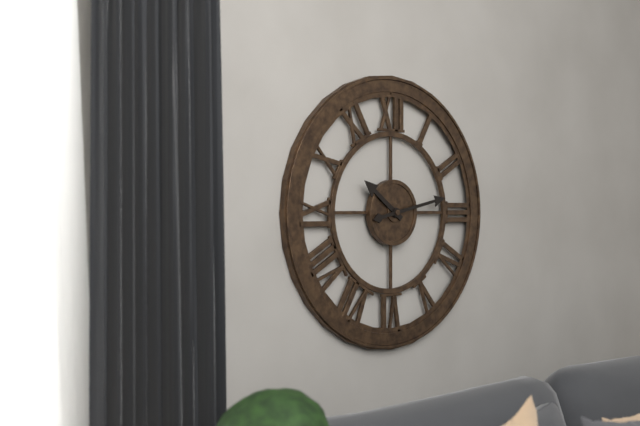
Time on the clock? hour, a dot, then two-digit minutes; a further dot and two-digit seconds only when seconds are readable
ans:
10.13
